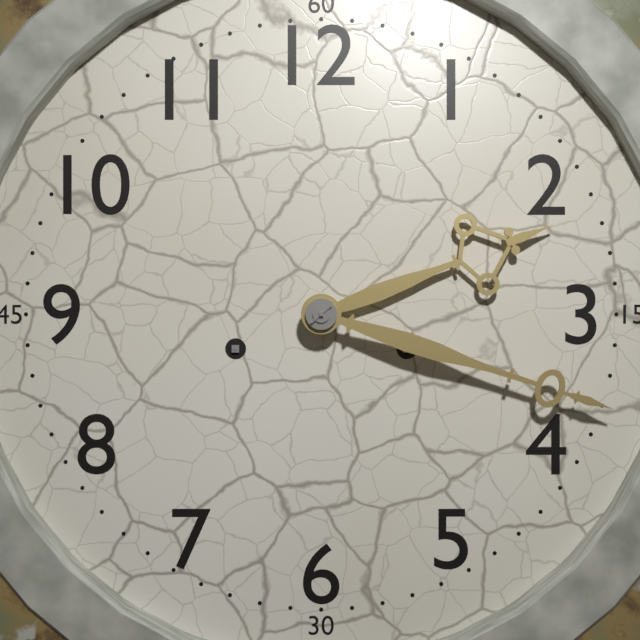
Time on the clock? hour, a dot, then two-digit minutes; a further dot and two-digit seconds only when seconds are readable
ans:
2.18
